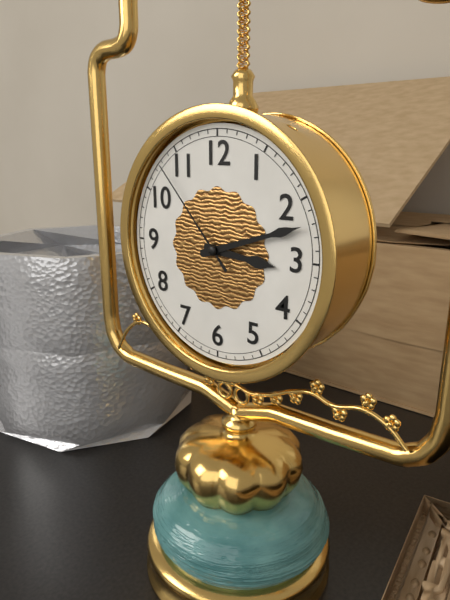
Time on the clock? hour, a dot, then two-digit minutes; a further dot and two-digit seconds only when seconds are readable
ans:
3.12.53
